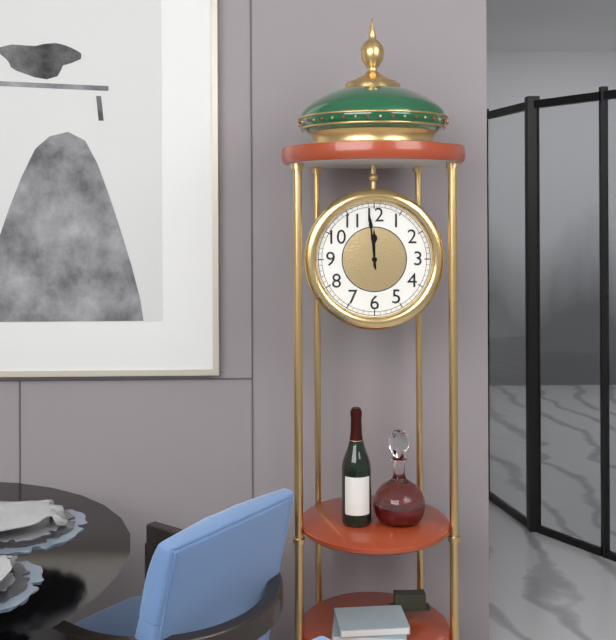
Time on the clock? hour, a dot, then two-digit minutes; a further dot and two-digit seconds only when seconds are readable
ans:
11.59
